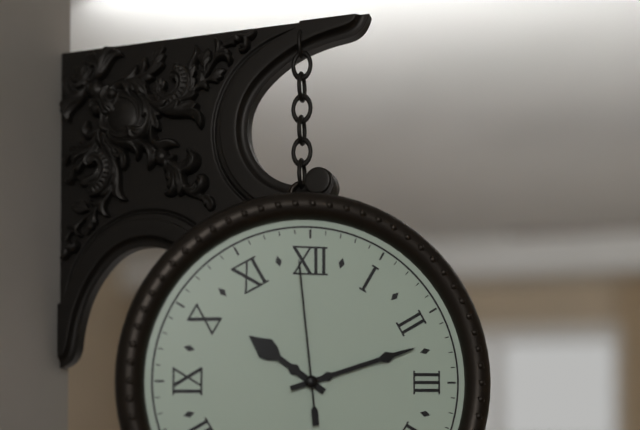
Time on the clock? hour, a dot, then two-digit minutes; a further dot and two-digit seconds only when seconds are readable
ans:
10.12.59
